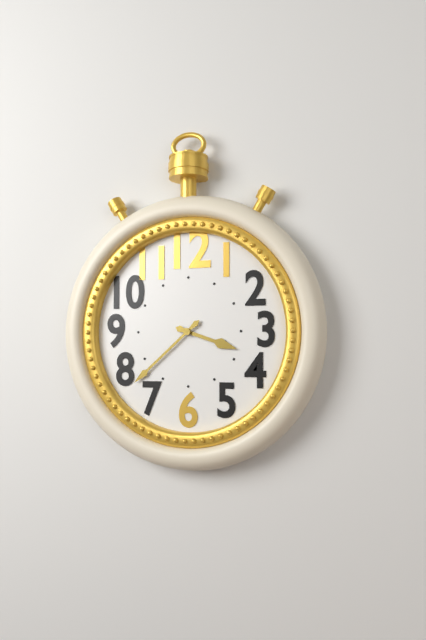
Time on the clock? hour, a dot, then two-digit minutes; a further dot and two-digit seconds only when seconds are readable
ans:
3.38
